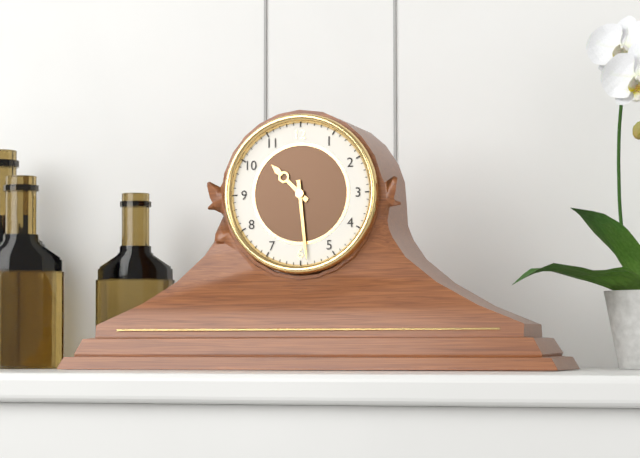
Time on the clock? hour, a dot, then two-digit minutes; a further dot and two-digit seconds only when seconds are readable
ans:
10.29
